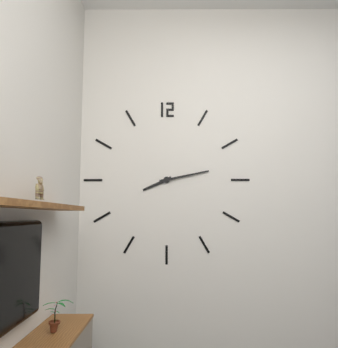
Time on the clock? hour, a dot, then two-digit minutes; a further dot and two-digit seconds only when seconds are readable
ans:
8.13
